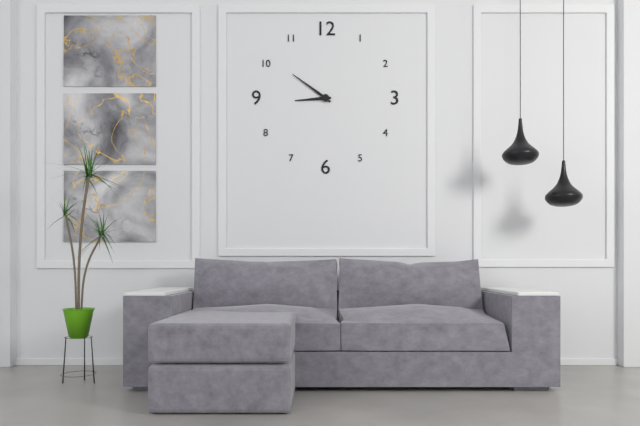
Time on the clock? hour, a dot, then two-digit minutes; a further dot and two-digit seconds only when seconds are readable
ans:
8.51
